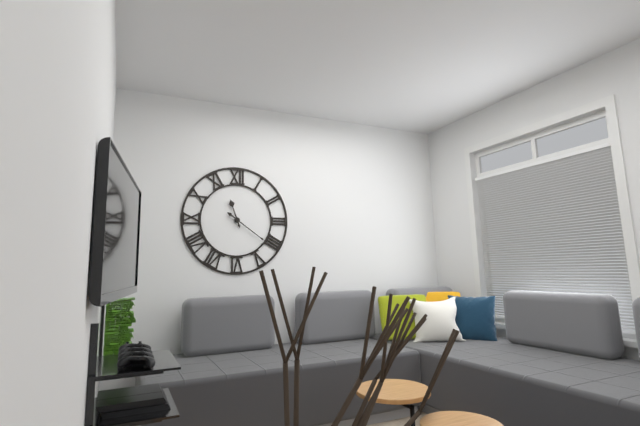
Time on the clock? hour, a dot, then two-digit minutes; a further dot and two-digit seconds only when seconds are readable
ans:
11.21
